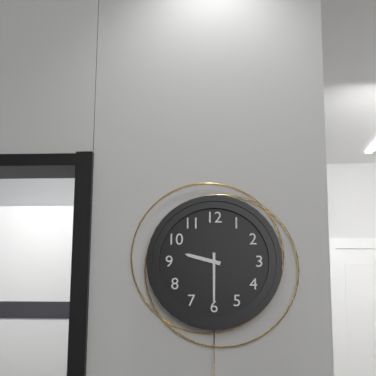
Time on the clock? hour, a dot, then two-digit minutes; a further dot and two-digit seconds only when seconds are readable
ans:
9.30
